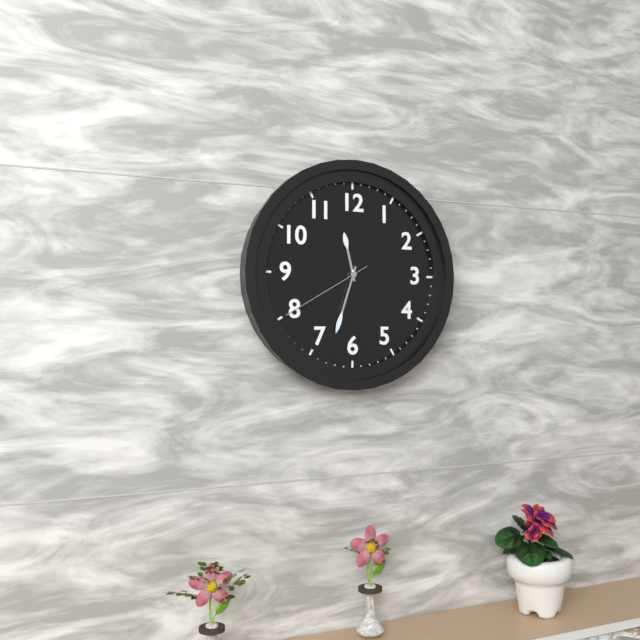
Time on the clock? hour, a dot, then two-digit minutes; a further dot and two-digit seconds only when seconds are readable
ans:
11.33.40
